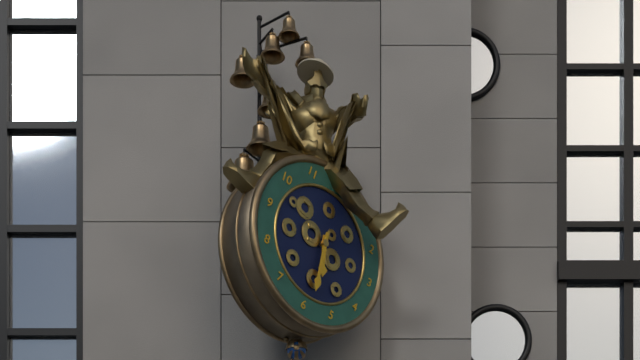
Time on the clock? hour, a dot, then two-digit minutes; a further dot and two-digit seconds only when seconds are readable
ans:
5.29
